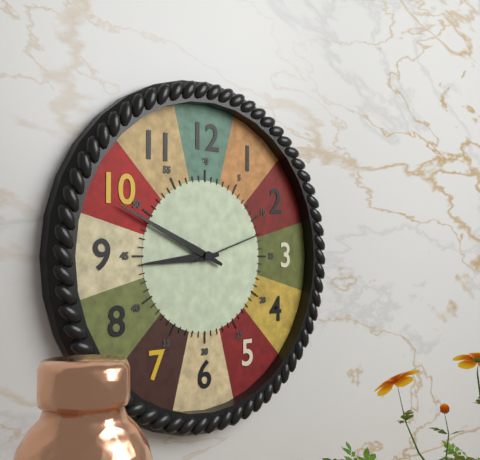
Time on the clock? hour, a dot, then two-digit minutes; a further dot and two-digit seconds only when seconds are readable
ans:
8.49.12
